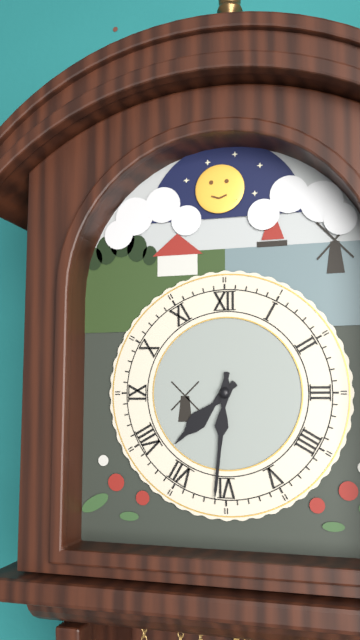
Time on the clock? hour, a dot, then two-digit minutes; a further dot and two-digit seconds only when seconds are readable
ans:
7.31
